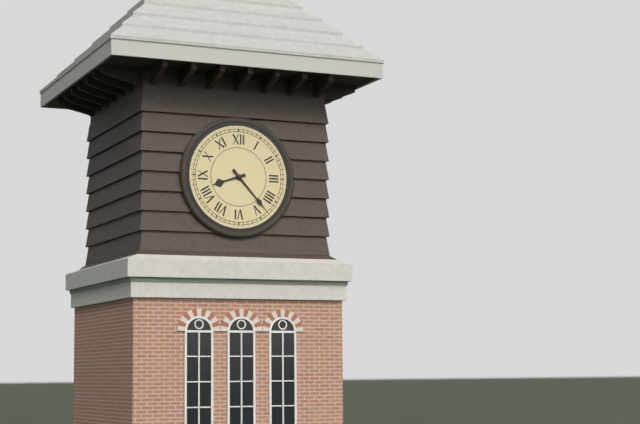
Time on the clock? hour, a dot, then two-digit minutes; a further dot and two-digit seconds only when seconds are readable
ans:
8.23
